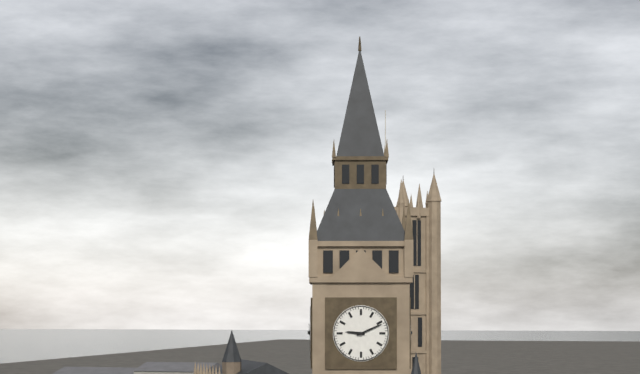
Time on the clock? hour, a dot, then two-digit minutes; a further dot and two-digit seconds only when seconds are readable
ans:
9.11
